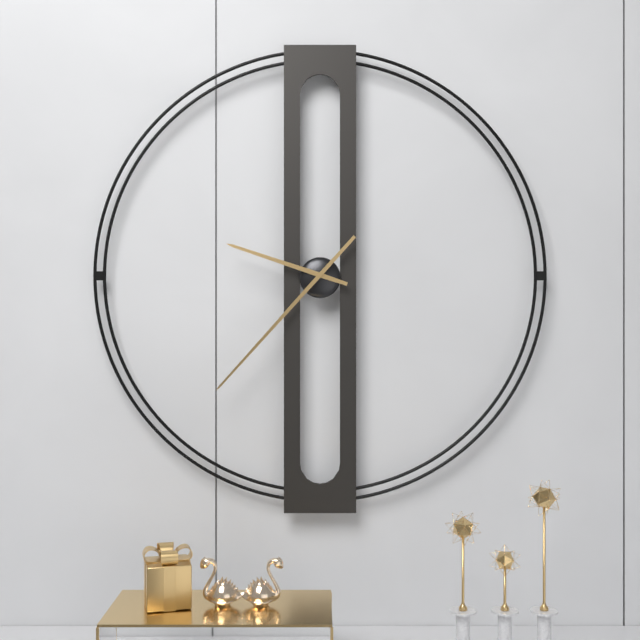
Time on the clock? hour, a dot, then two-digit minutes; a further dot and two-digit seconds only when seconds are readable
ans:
9.37
